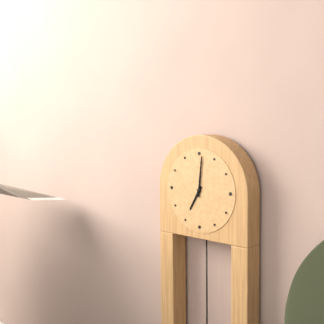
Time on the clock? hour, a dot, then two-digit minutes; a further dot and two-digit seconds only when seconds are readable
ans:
7.01
